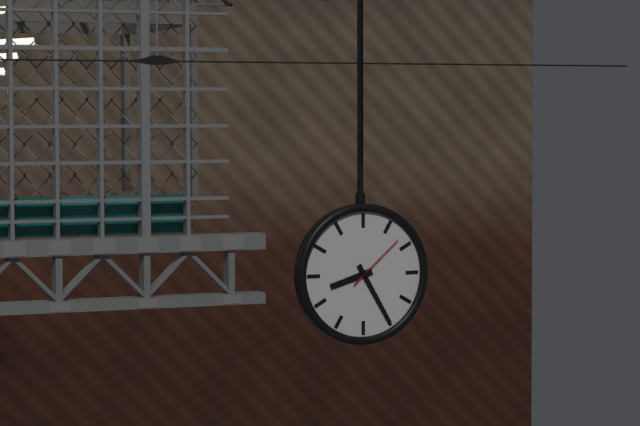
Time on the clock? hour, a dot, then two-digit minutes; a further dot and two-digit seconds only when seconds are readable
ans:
8.25.08
